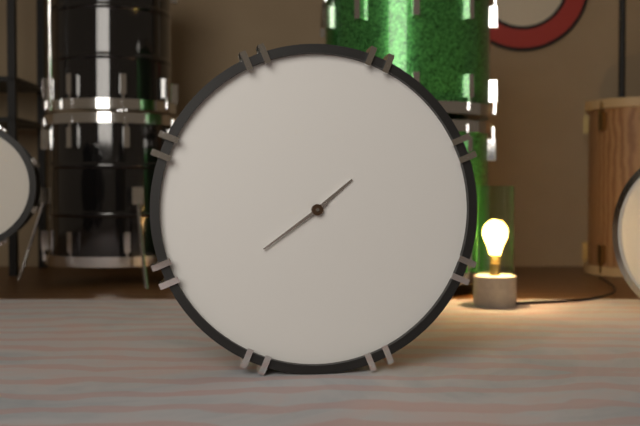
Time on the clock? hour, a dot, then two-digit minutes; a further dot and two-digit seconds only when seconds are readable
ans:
1.39
